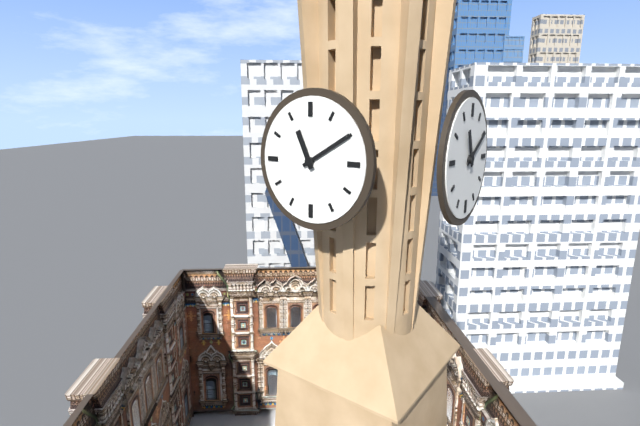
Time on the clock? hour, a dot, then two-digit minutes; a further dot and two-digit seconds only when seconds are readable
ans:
11.10
